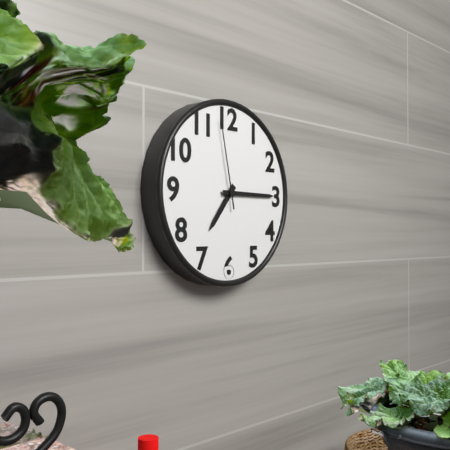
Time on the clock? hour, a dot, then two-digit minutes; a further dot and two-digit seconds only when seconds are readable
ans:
7.15.58
